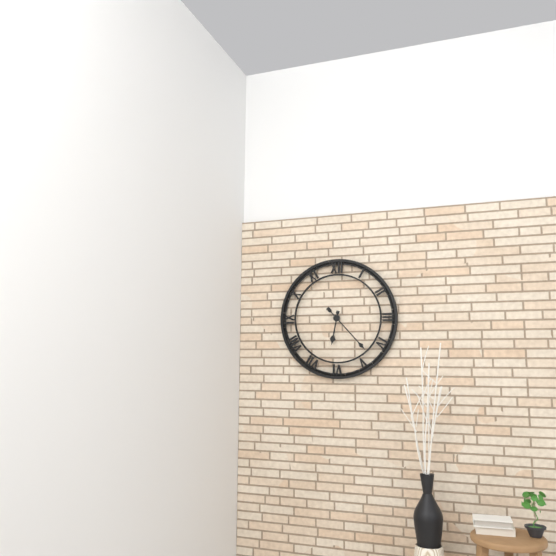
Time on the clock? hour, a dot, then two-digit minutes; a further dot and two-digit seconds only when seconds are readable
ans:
6.23
